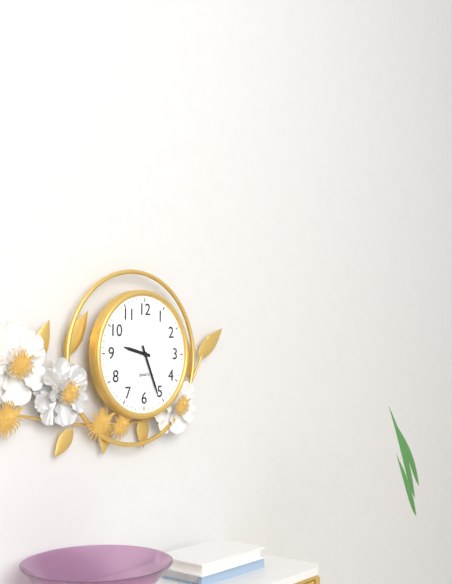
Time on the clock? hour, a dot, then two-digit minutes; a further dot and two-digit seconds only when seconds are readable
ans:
9.26
